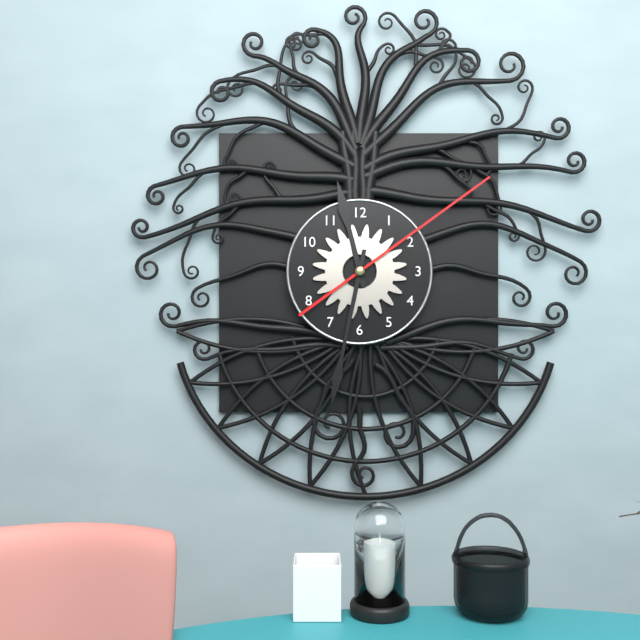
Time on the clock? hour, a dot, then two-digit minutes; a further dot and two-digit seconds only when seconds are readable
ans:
11.32.09
